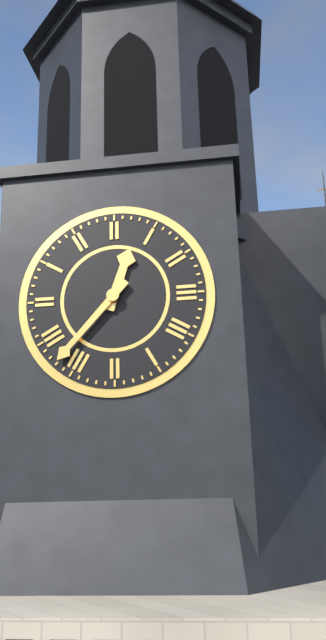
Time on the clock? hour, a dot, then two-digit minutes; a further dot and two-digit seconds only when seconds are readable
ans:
12.37
